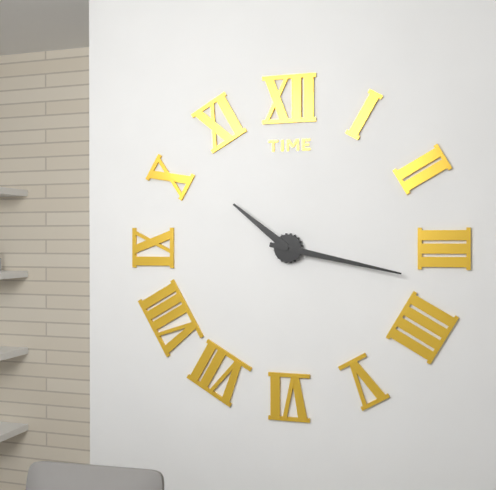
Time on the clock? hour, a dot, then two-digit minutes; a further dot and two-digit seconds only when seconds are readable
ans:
10.17
